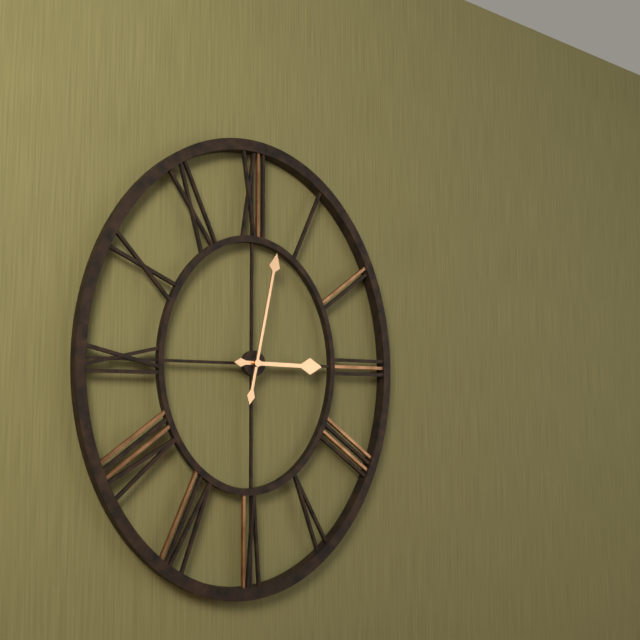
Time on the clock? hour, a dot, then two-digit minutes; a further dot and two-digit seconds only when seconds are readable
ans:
3.02
